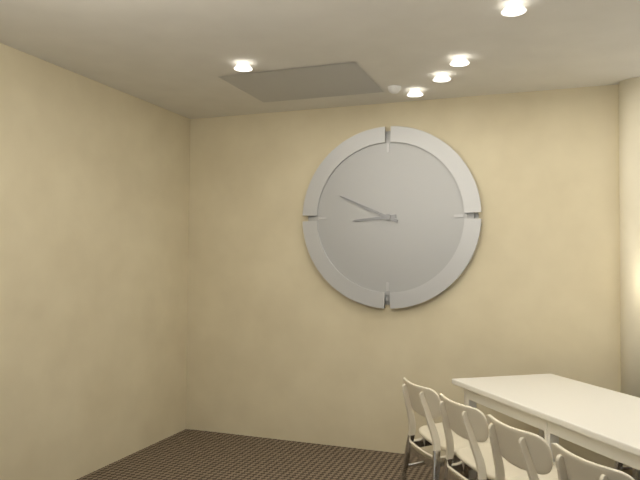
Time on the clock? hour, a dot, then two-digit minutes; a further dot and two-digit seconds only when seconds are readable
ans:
8.49
